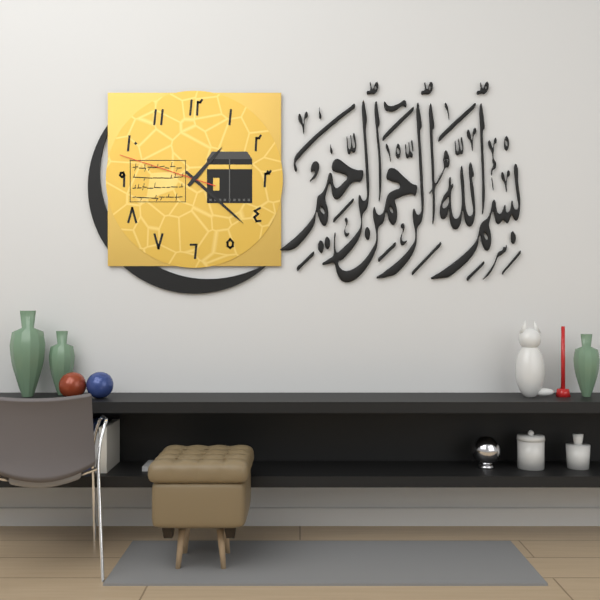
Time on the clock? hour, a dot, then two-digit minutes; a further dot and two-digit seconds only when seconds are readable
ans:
1.22.48
